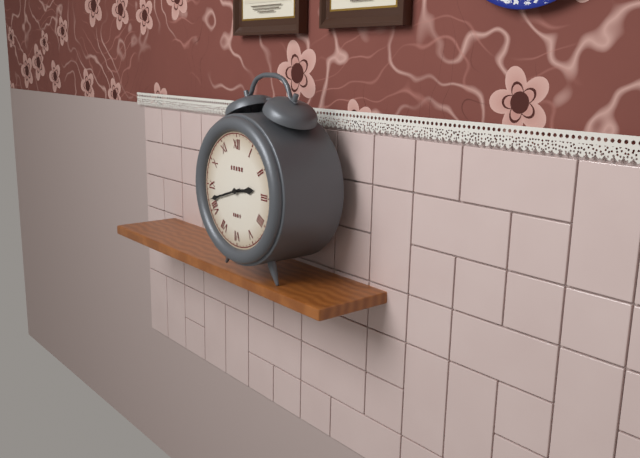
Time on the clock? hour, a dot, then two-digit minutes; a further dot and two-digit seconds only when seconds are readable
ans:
2.42
